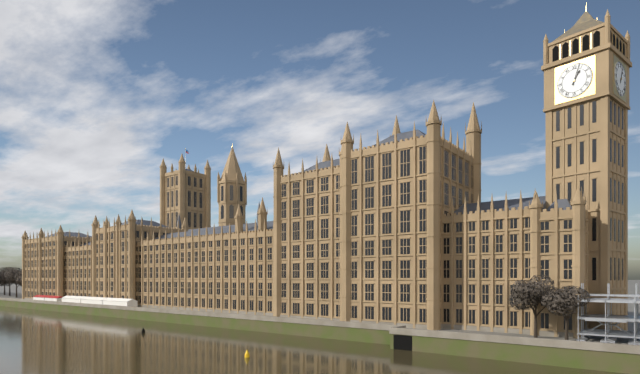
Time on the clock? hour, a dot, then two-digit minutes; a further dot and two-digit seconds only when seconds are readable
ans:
1.03
